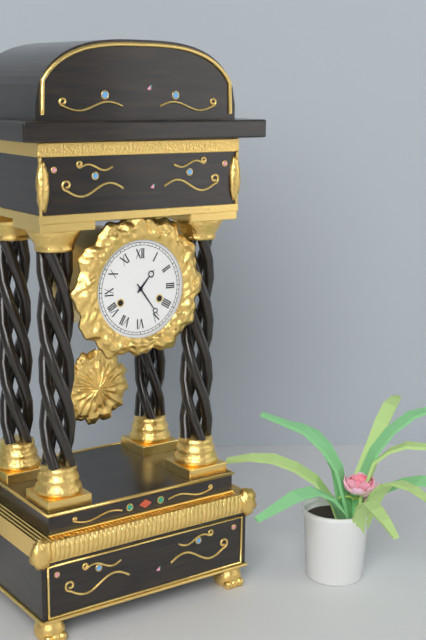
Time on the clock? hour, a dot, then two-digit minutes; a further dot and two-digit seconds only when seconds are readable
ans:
1.24
